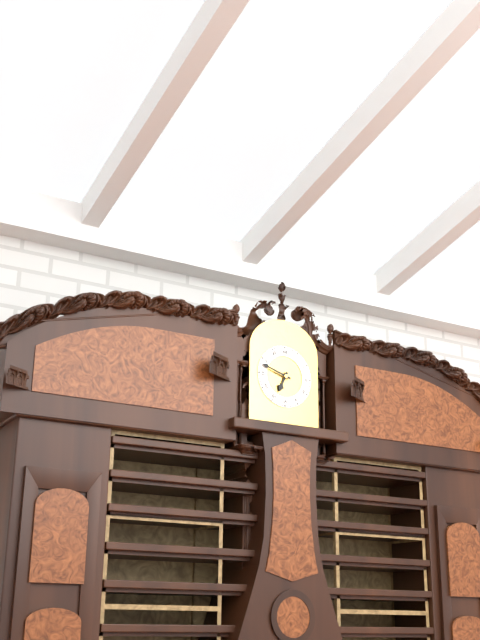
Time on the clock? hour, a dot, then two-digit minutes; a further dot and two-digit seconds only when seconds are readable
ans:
6.48
